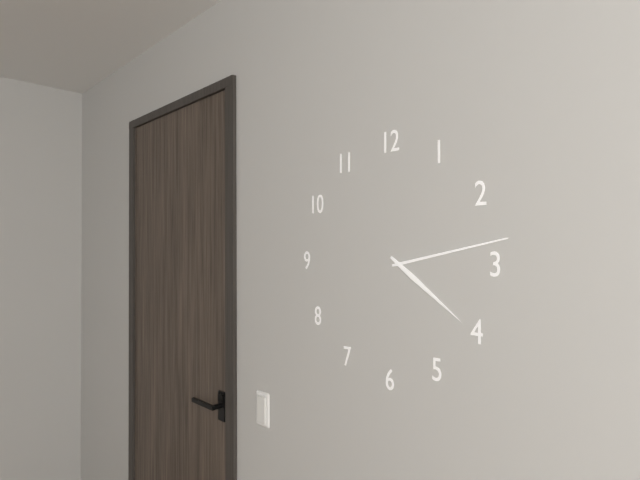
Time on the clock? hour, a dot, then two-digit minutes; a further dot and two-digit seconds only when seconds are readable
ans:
4.13
